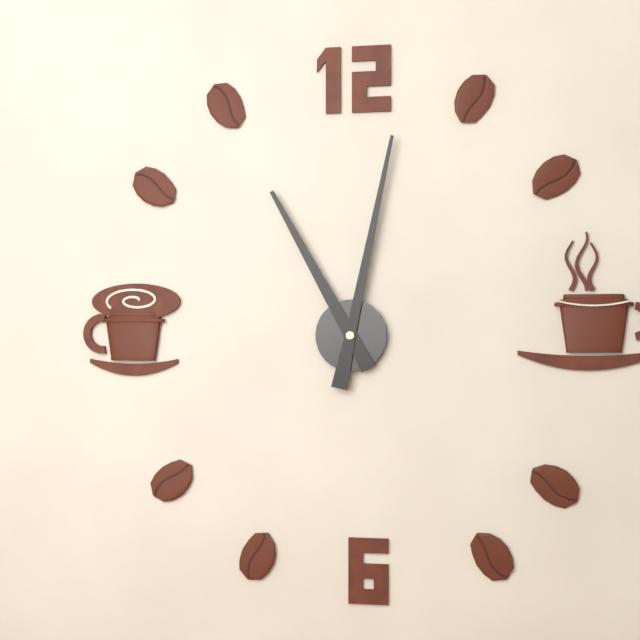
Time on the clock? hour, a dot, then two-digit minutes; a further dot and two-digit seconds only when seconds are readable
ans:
11.02
